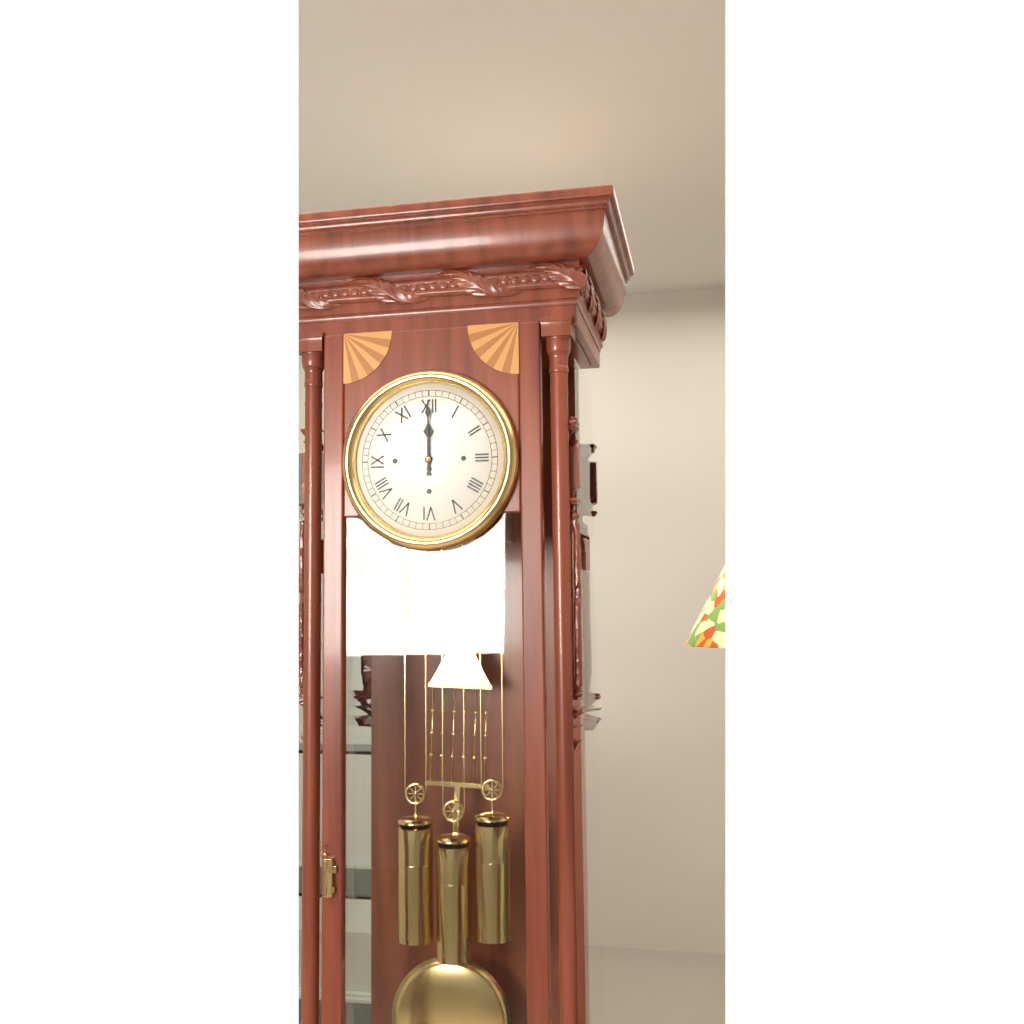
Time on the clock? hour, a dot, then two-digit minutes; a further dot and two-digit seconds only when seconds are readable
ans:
12.00
